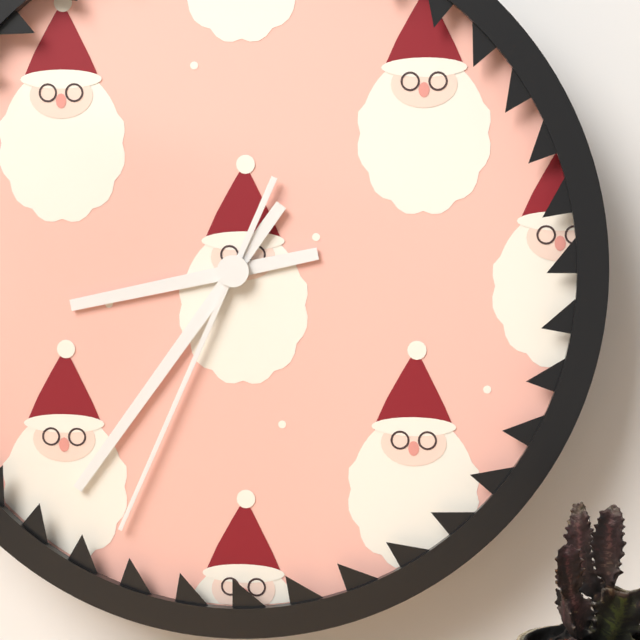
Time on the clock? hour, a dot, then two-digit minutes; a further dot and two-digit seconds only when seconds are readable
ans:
8.36.34
